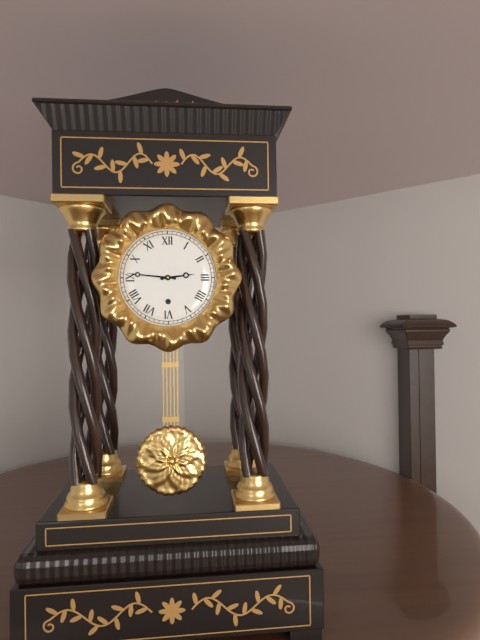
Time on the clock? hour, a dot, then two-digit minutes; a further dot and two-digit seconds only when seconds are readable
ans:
2.46
